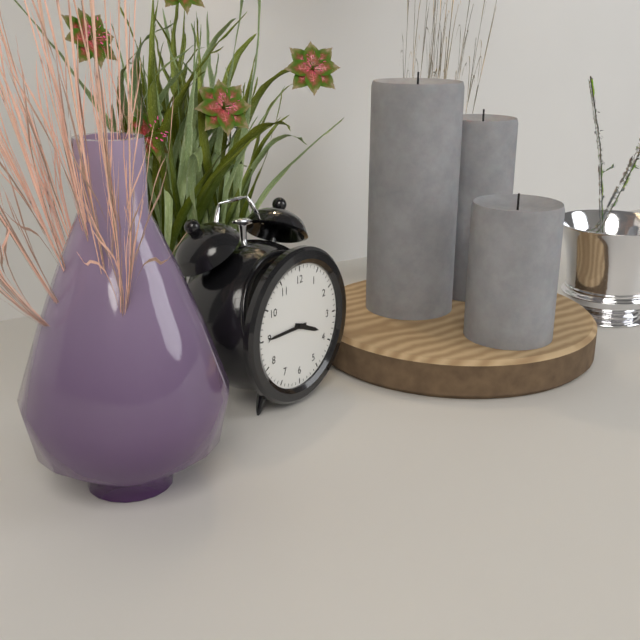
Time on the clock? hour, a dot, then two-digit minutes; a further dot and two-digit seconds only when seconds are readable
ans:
3.45
